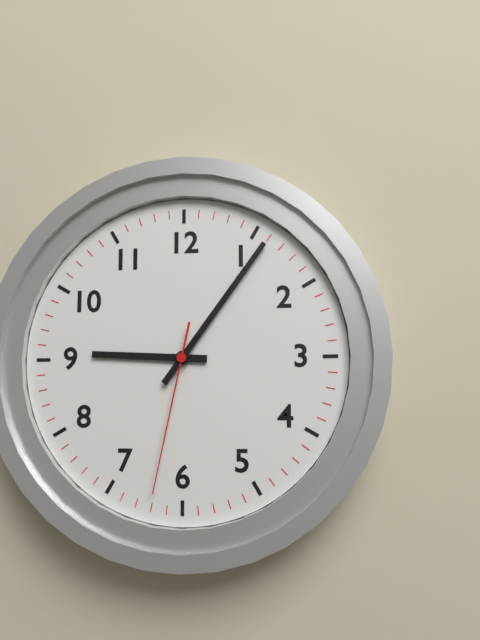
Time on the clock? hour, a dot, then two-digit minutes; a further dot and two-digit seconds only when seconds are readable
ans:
9.06.32
